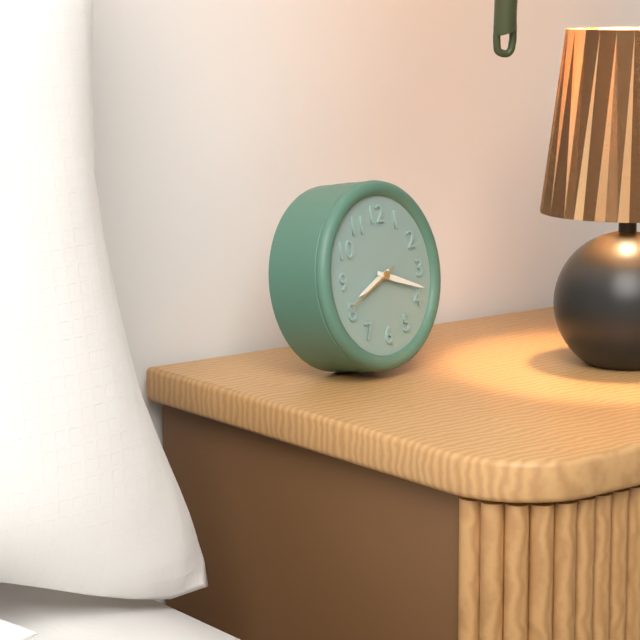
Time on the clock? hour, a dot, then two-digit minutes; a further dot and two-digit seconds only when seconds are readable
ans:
8.18.41
